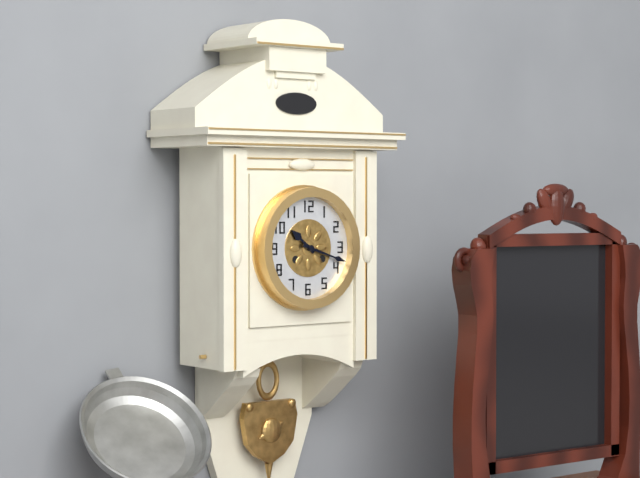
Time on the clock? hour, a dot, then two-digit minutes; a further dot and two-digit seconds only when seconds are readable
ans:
10.18
